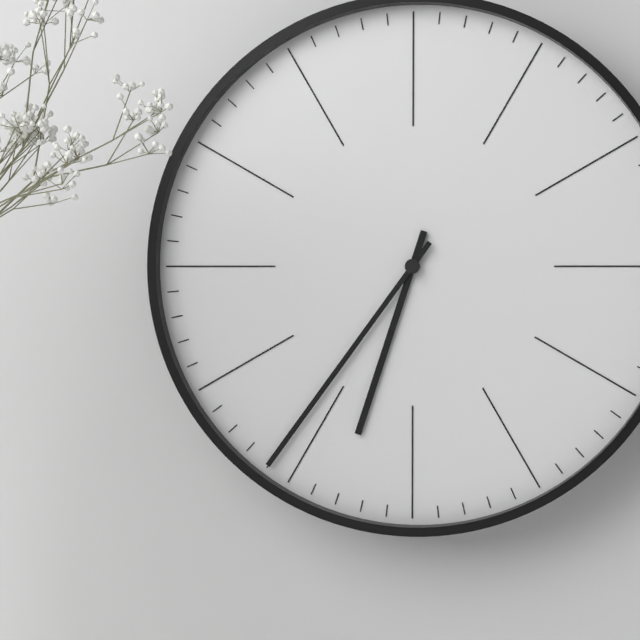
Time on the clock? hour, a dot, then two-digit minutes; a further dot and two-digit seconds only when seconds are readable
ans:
6.36
